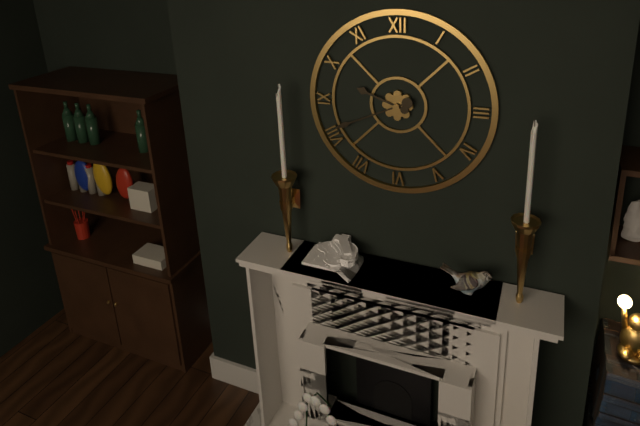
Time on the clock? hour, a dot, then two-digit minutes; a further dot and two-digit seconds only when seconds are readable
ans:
9.41
